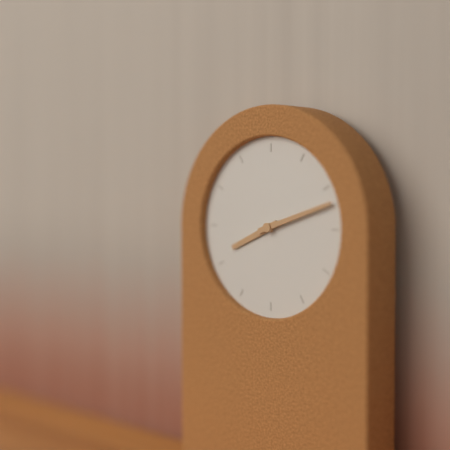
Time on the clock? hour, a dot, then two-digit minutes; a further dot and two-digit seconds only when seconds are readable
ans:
8.12
